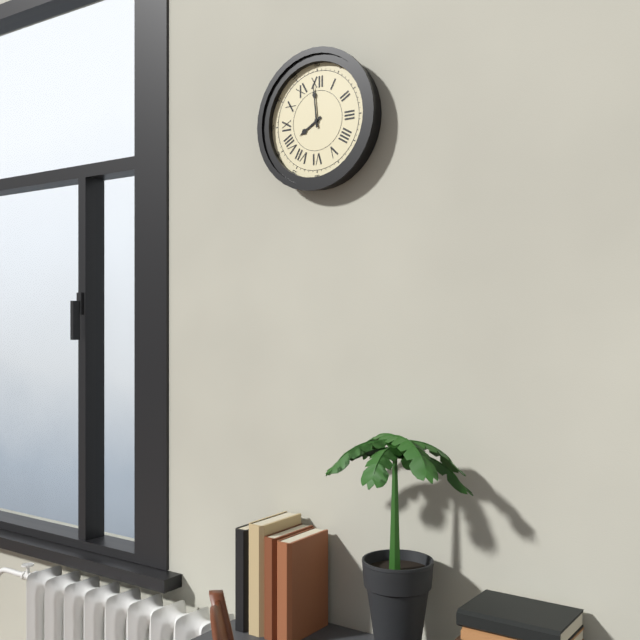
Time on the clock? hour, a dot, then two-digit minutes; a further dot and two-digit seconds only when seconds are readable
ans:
7.59
